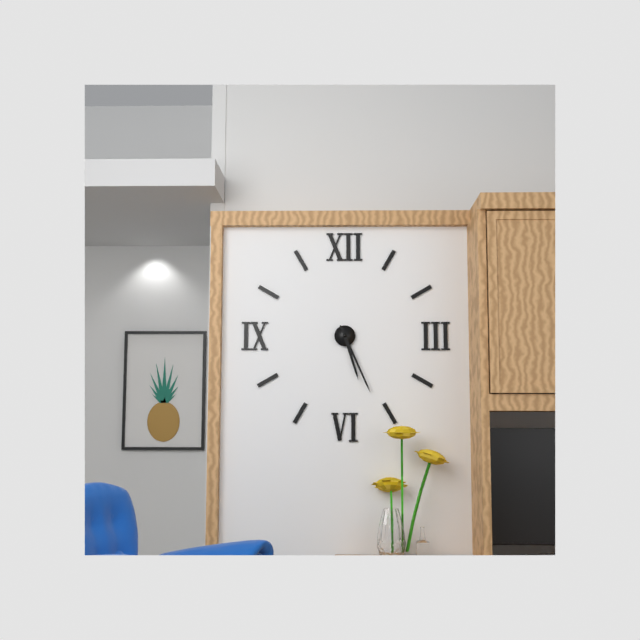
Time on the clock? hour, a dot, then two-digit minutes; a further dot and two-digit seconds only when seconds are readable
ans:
5.26
